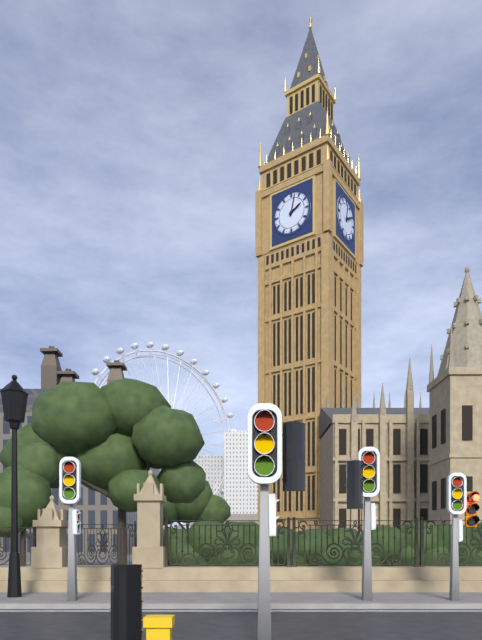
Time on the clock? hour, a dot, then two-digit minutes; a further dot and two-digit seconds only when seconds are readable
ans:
2.02
